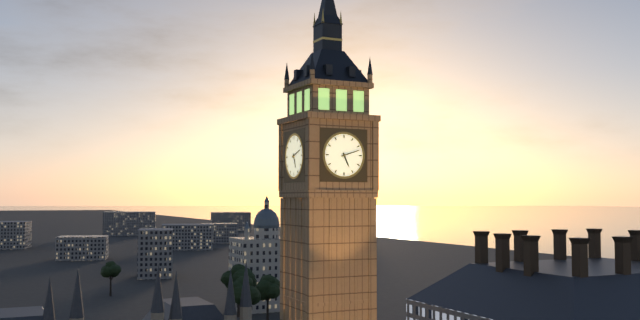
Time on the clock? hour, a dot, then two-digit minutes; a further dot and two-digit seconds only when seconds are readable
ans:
5.12
